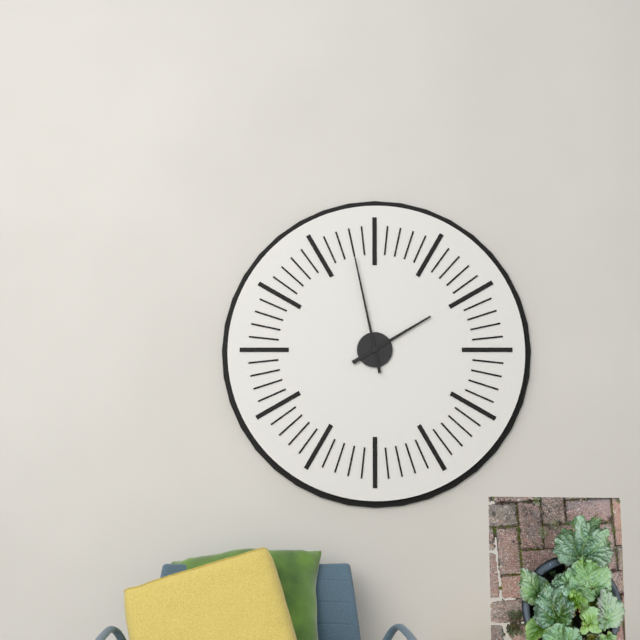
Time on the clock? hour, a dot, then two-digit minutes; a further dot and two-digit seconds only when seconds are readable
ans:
1.58
